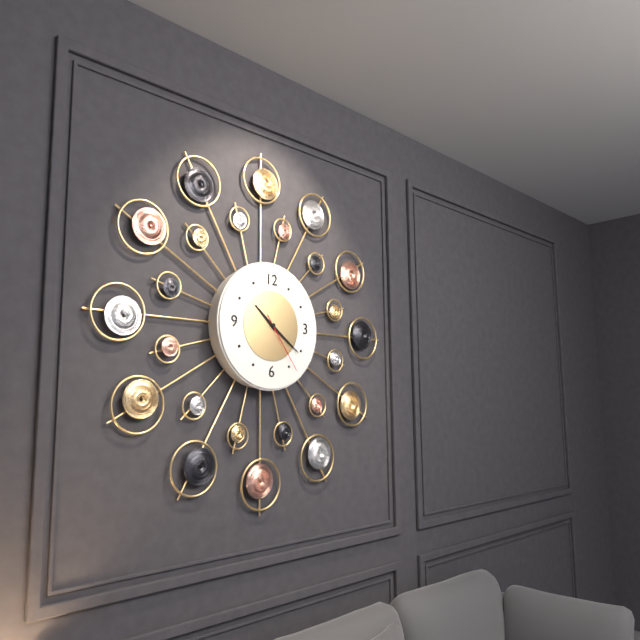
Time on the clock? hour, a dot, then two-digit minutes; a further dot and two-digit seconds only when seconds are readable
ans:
10.21.24
